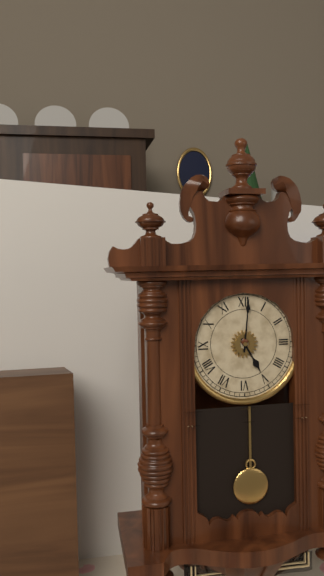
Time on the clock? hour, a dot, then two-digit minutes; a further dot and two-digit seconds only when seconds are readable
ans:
5.01
